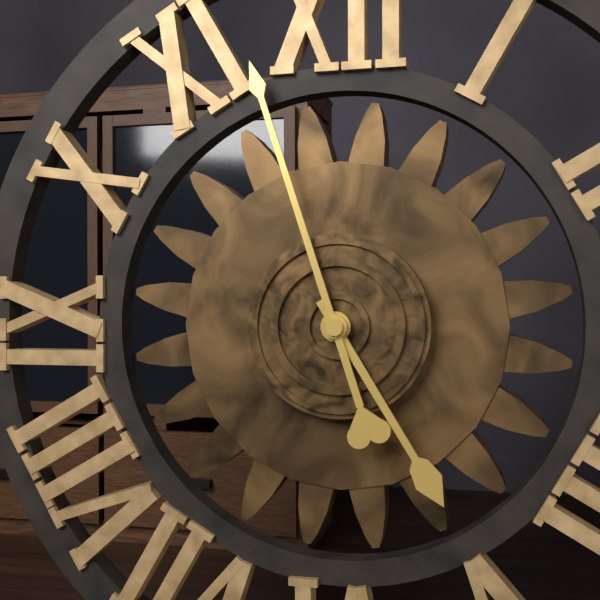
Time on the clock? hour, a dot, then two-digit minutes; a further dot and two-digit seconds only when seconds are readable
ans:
4.57
